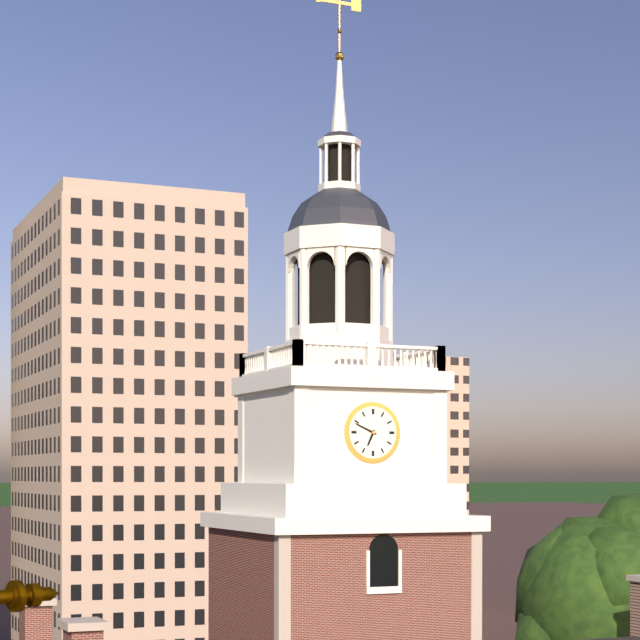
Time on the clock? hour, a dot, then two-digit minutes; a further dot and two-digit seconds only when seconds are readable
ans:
6.49
